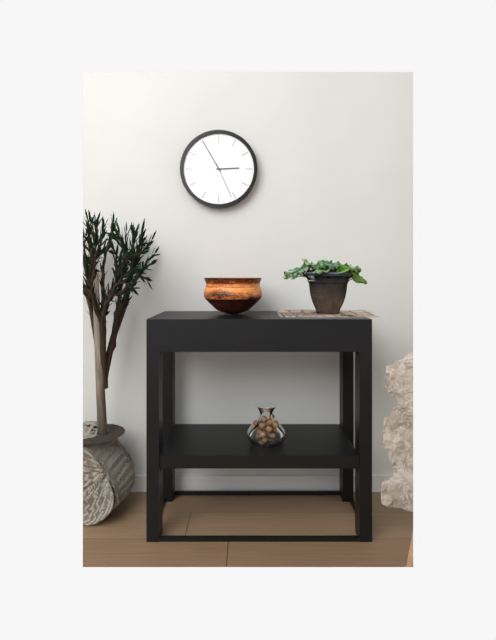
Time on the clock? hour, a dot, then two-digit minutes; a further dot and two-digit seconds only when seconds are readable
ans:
2.55
